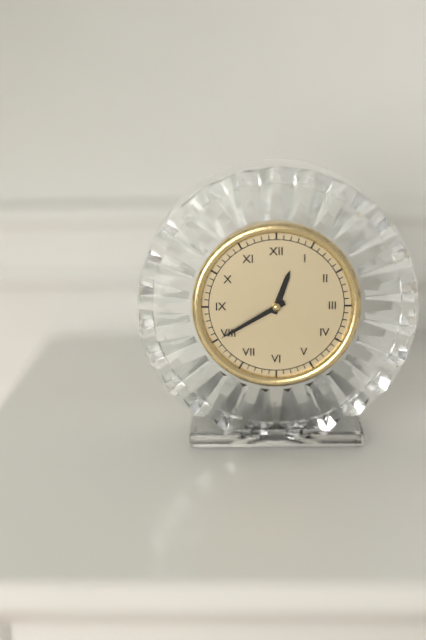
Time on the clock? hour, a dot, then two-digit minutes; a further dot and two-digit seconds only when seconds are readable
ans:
12.40
